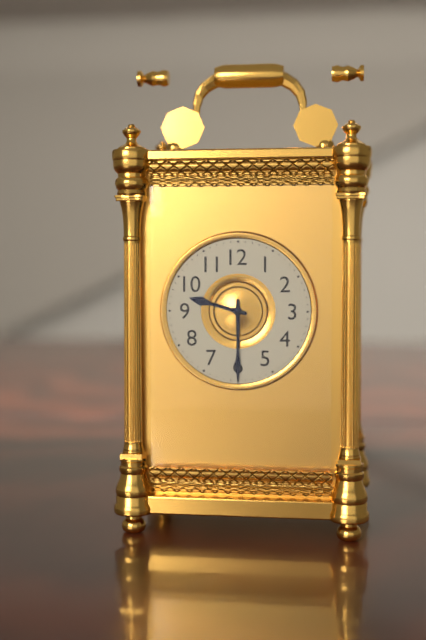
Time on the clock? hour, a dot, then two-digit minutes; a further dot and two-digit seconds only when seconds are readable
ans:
9.30
